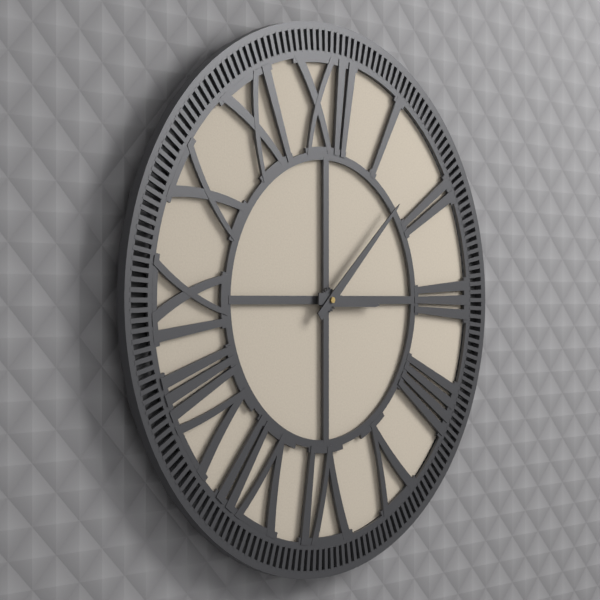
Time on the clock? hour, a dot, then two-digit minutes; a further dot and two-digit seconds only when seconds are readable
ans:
3.08
